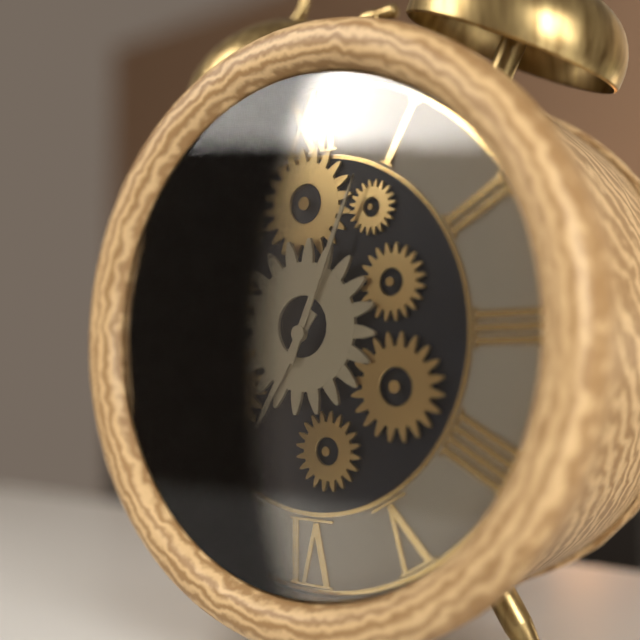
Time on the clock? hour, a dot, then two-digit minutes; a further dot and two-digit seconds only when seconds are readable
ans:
7.04
